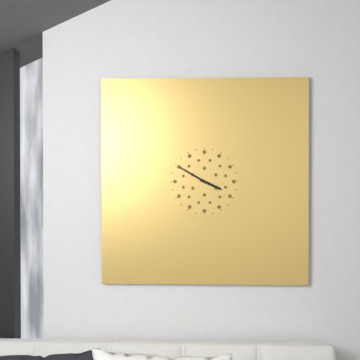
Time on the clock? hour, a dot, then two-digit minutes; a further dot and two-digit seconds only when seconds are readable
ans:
3.50
